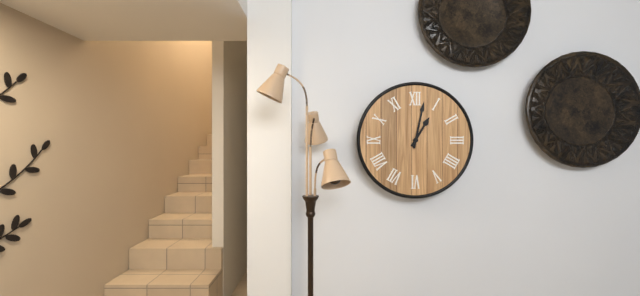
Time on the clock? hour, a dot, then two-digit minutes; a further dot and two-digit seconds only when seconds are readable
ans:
1.02
